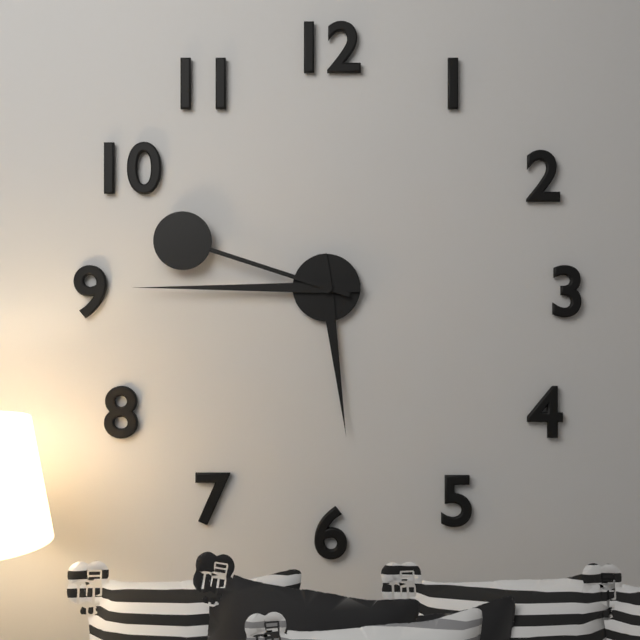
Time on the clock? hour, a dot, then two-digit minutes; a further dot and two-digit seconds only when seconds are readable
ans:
5.45.48
